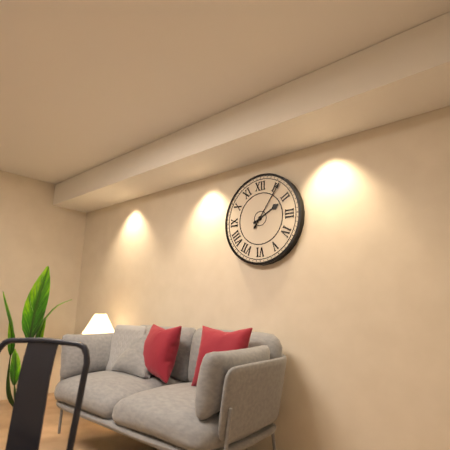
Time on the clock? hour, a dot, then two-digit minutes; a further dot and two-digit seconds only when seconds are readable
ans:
2.06
